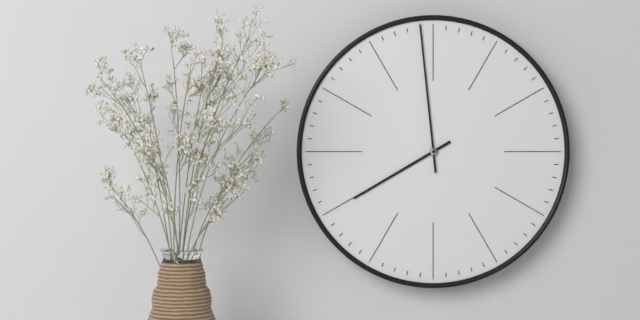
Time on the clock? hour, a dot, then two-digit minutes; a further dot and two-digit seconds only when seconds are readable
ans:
7.59
